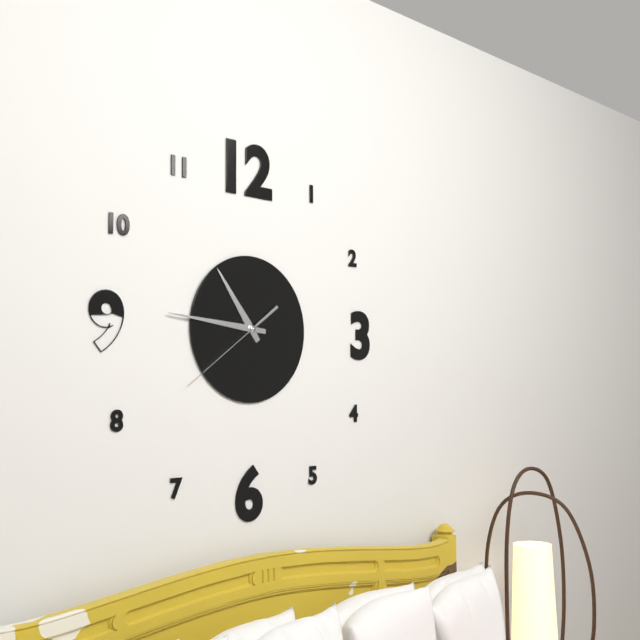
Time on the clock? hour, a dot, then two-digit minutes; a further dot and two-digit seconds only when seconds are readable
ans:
10.46.39
